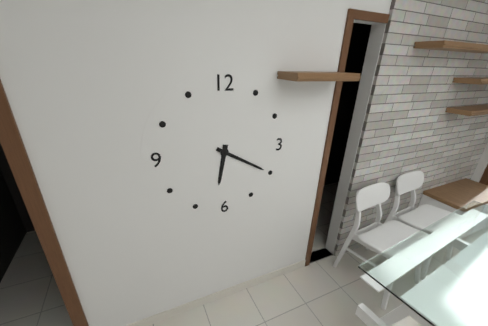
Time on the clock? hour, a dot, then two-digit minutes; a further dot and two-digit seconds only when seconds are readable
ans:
6.20
